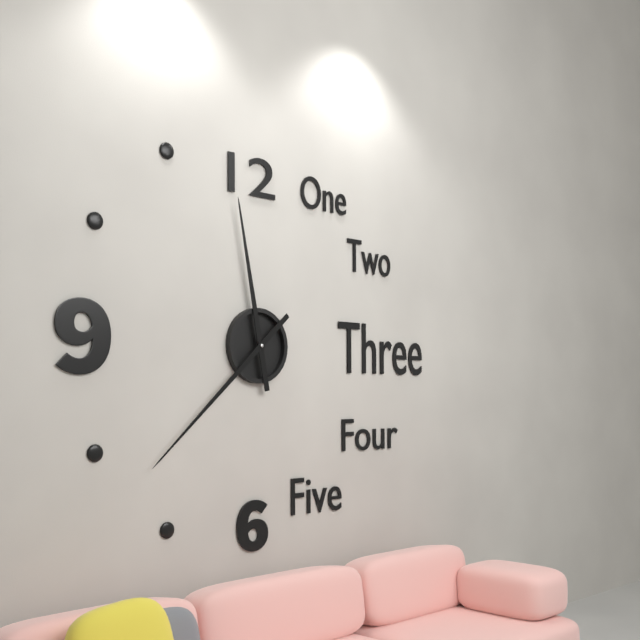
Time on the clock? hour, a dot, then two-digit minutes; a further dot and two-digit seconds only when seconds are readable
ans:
11.38
